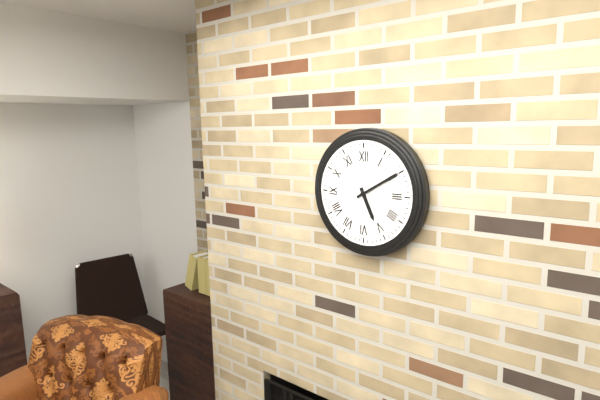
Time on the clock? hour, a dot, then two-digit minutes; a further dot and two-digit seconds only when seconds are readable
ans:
5.10
